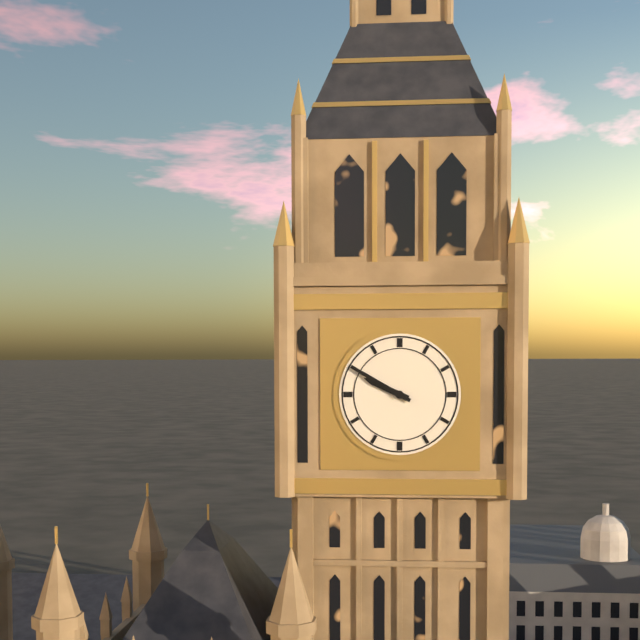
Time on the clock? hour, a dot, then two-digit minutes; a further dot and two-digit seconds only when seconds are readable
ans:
9.50
